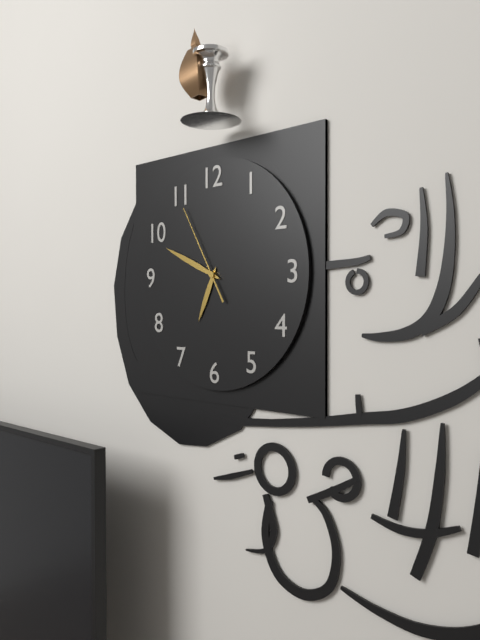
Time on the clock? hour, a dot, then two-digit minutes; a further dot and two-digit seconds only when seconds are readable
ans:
6.49.55
